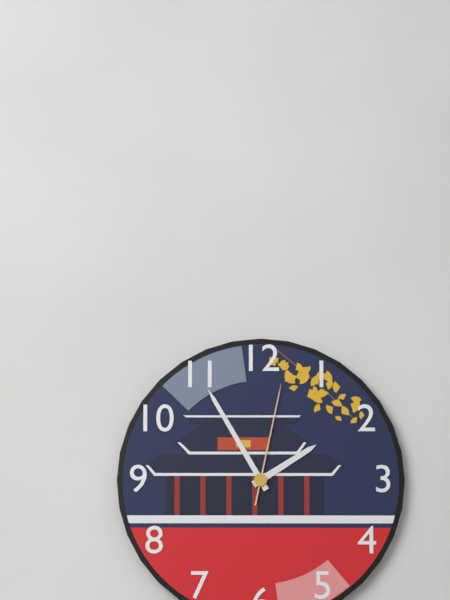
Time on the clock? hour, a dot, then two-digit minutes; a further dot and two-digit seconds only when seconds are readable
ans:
1.55.02
